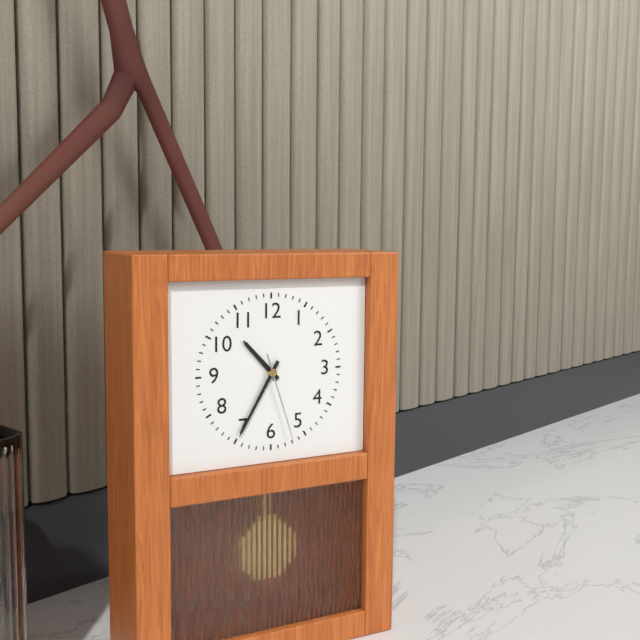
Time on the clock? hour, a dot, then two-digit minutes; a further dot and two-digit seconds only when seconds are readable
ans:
10.35.27
